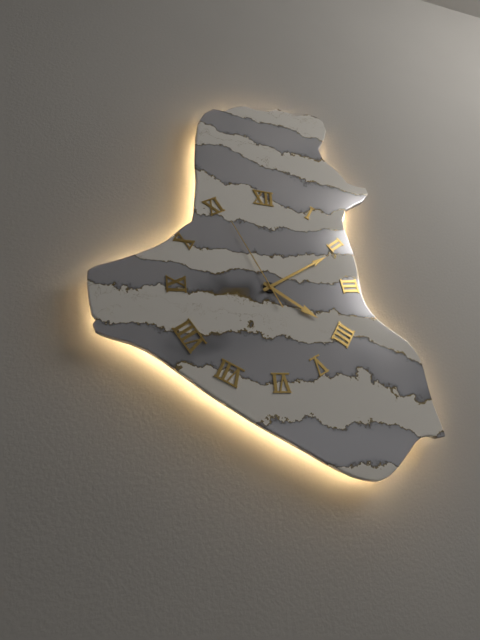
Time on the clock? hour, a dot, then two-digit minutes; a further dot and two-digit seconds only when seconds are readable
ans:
4.10.56
